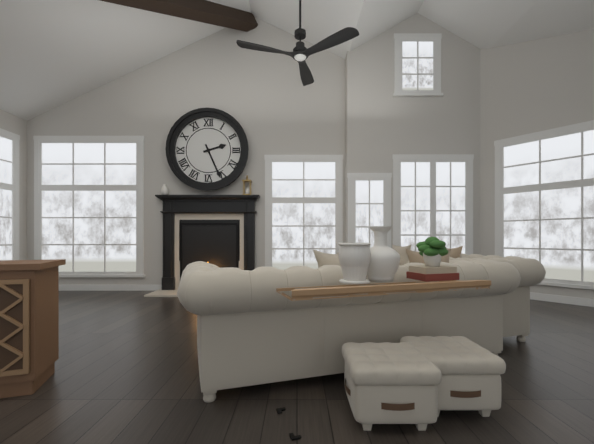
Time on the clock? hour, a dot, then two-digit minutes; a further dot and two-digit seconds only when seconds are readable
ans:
2.26
